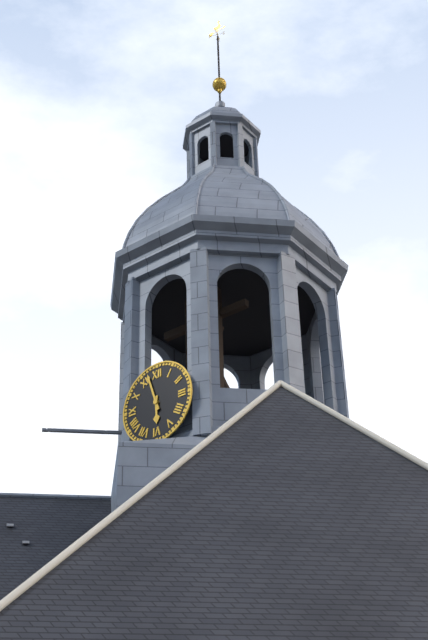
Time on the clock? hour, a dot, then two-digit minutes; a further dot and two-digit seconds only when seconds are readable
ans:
5.57
